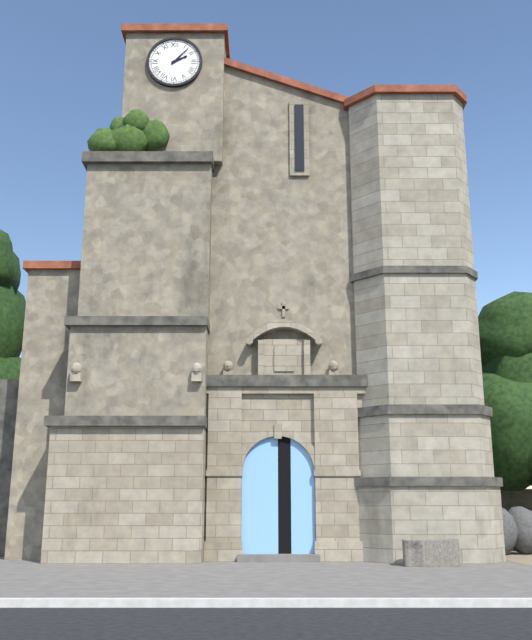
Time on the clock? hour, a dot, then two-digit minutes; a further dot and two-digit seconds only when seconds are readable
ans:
2.07
